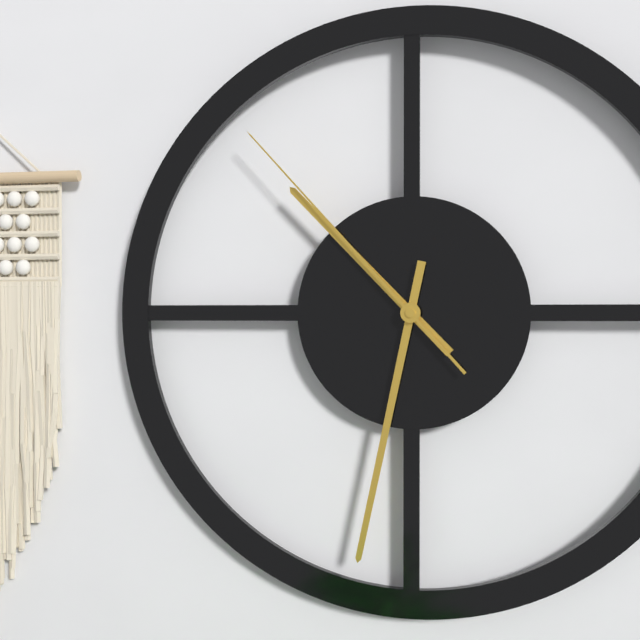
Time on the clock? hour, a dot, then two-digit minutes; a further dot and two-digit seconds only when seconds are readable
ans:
10.32.53
